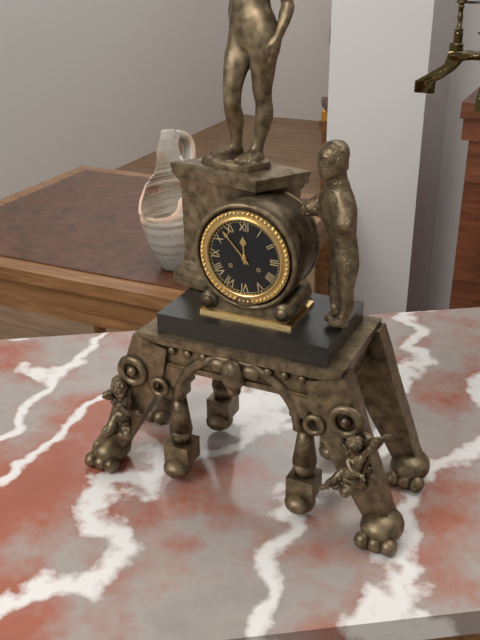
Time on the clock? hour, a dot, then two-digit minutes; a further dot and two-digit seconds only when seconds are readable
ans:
11.53
